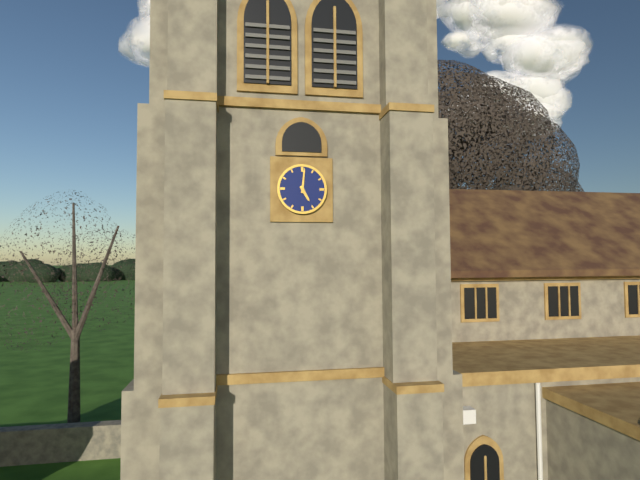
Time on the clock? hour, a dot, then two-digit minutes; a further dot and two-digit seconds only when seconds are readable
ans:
5.01
